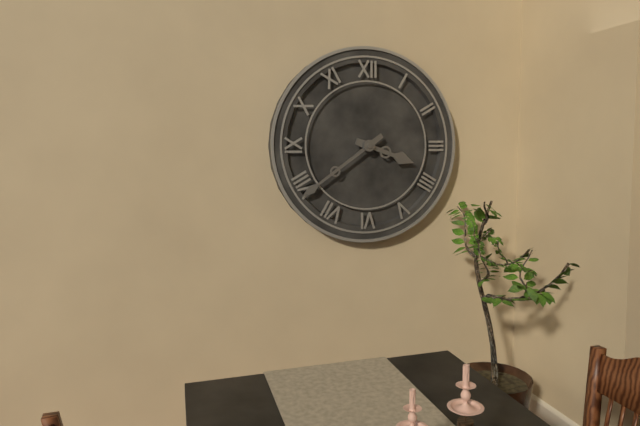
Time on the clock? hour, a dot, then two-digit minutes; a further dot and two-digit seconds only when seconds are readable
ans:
3.39
